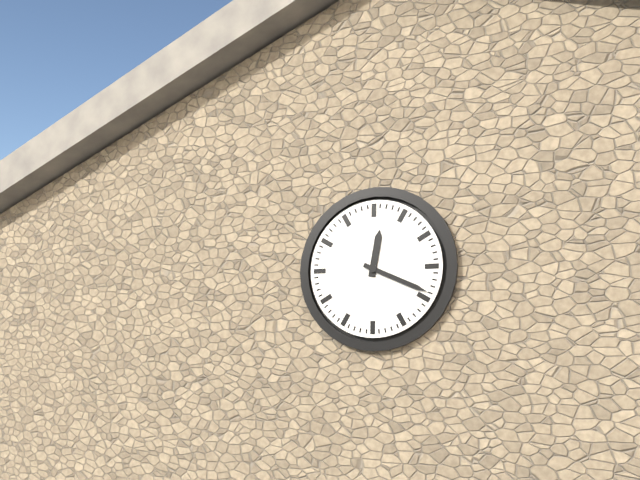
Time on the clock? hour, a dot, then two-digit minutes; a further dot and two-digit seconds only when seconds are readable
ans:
12.19
